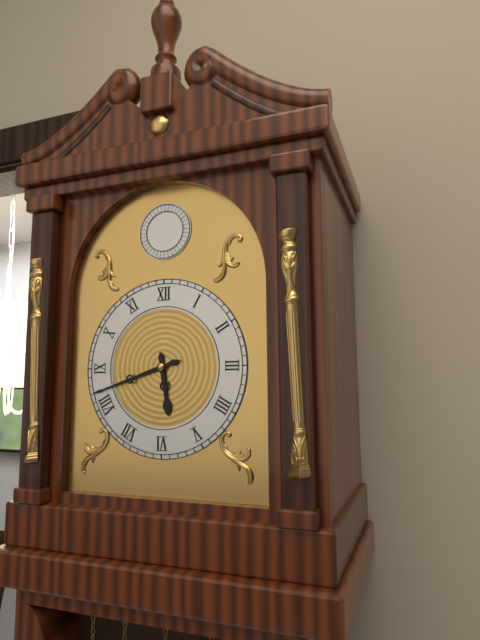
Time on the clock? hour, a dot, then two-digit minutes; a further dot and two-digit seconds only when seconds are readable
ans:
5.42
